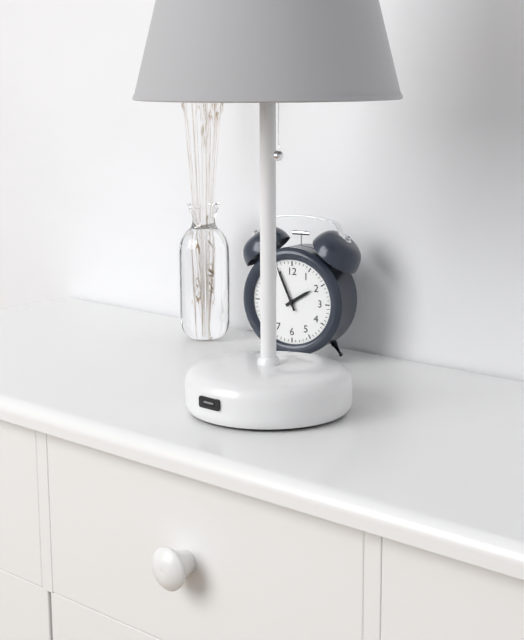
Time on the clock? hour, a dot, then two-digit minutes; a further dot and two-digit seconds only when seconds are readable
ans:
1.56
